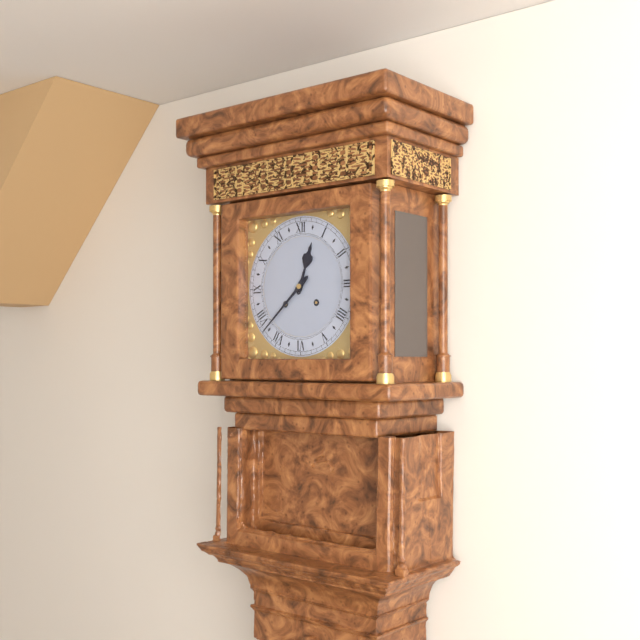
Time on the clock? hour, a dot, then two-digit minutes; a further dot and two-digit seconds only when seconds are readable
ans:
12.38
